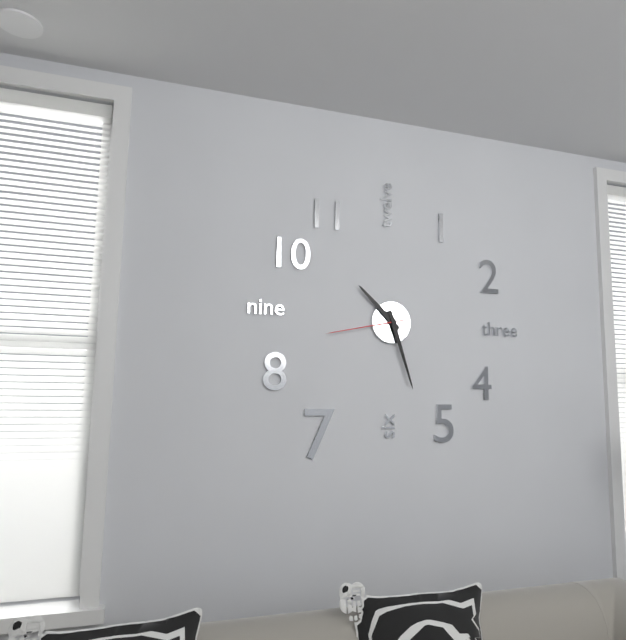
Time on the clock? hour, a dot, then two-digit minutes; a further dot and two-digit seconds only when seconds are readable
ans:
10.27.43
